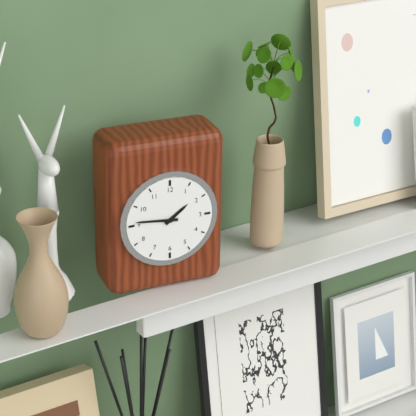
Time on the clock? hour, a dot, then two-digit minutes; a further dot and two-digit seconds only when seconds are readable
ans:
1.46
